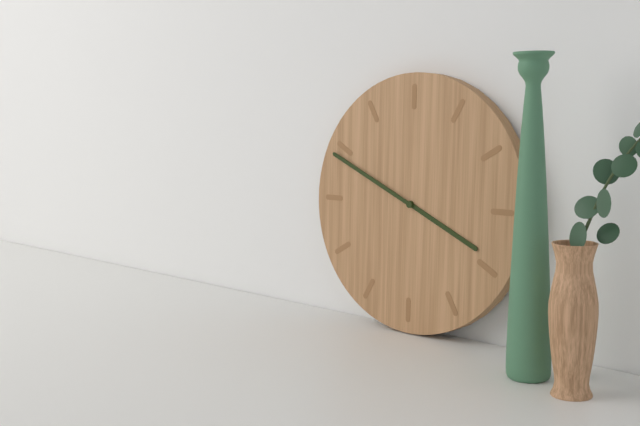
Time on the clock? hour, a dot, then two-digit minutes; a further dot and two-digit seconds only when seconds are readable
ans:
3.49
